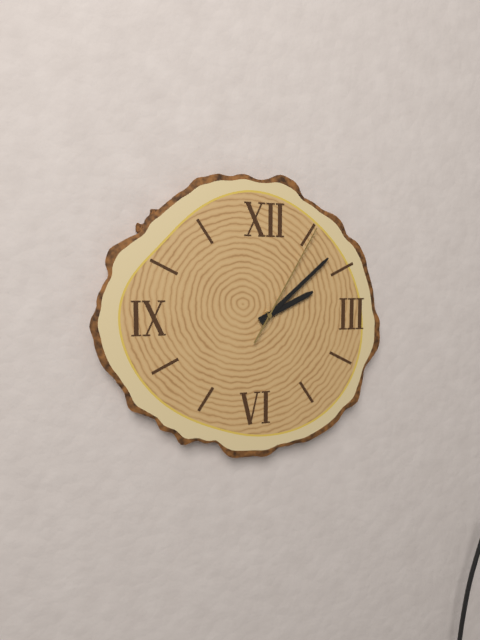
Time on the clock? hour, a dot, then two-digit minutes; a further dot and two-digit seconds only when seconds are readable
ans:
2.08.05
